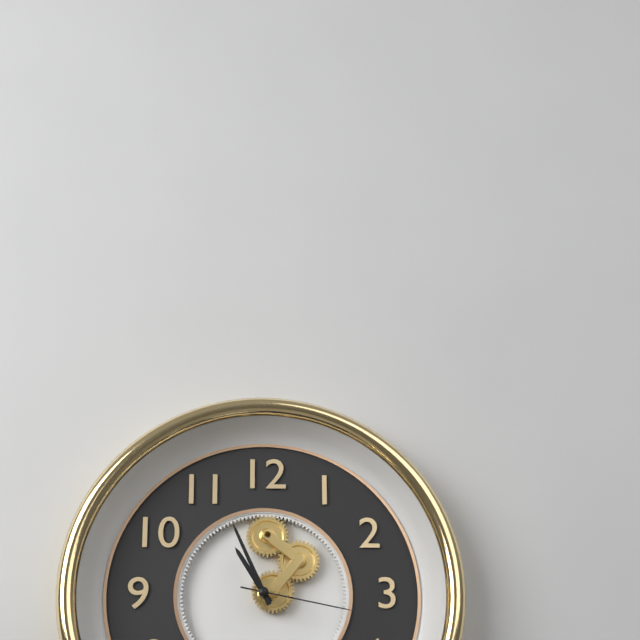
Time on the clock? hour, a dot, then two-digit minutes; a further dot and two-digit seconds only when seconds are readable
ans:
10.56.17
